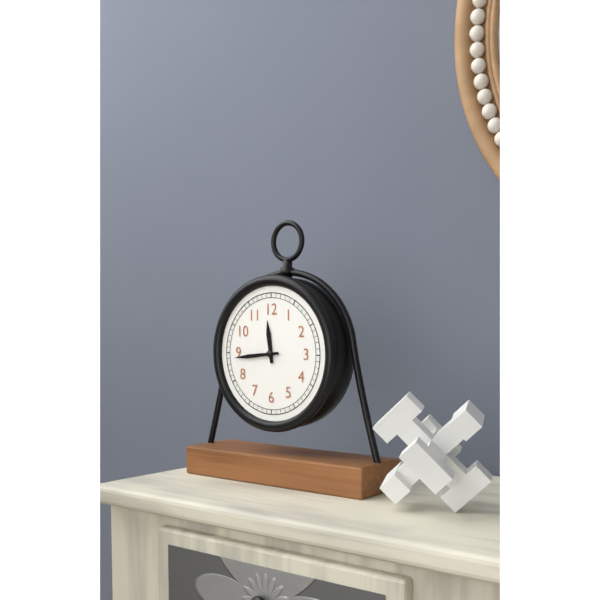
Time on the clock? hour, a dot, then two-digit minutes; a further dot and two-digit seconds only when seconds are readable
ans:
11.44
